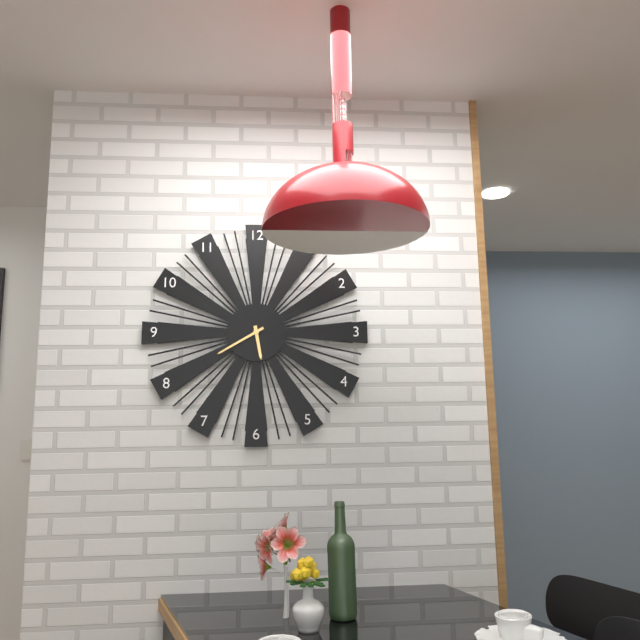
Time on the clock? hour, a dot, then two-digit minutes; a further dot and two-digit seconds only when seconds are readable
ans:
5.40
